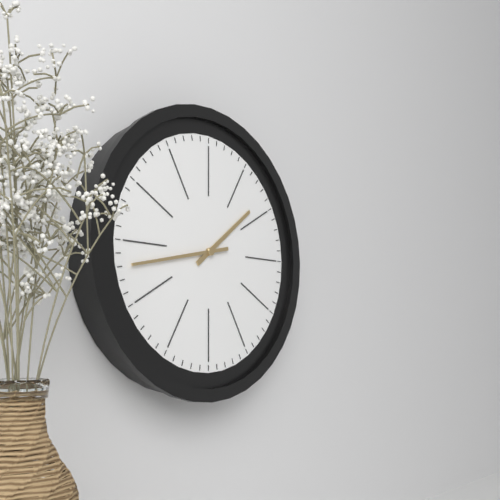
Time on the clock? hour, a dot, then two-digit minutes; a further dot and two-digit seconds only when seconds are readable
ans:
1.43
